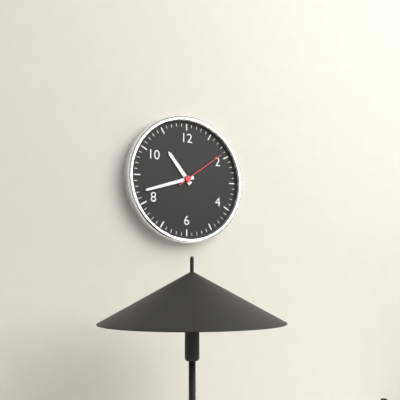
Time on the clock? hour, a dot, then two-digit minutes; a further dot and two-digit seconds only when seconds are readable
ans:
10.42.09
